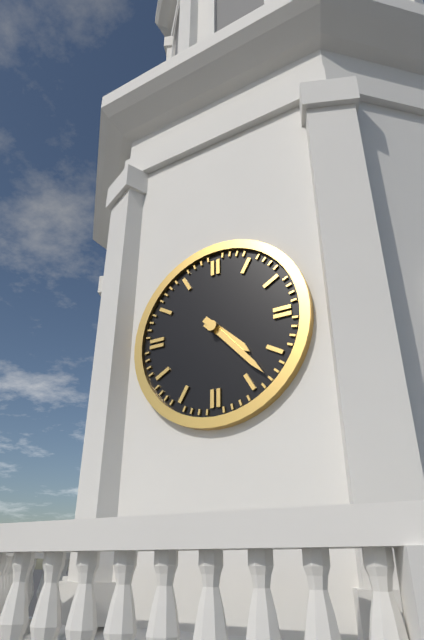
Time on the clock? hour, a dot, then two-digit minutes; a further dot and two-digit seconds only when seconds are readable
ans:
4.23
